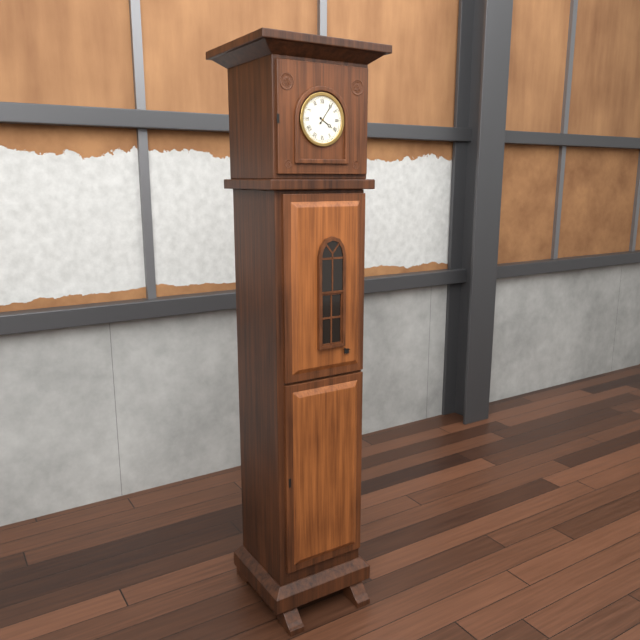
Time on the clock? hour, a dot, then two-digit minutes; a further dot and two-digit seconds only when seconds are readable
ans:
4.06
